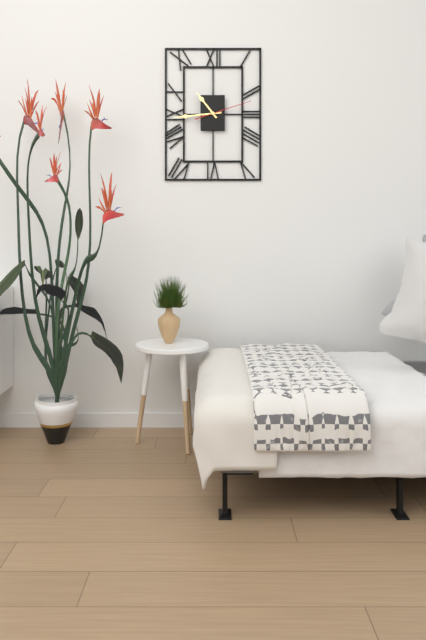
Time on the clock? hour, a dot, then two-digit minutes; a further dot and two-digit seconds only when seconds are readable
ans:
10.44
